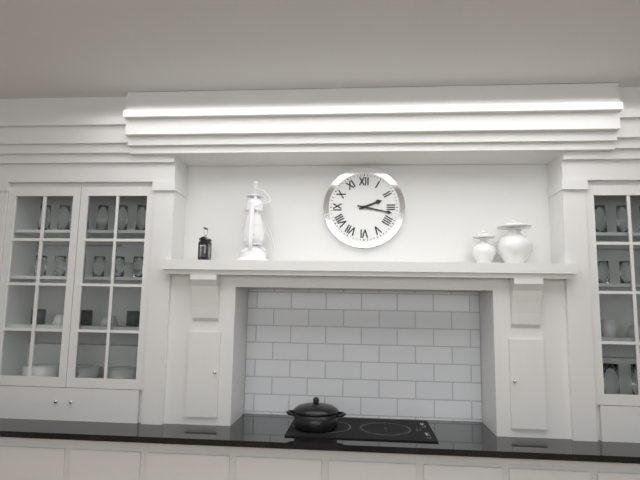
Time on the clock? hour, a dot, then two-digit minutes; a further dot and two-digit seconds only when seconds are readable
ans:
2.17
